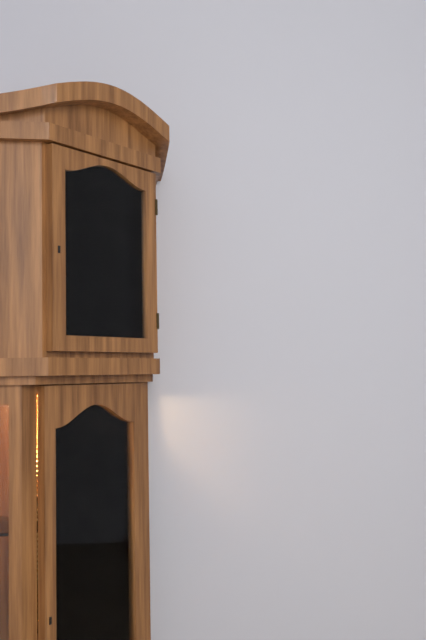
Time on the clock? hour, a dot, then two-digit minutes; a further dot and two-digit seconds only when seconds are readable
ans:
11.28
